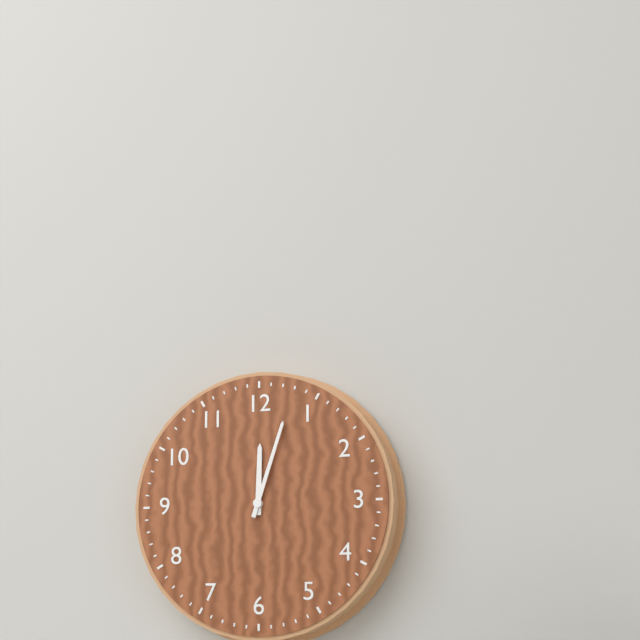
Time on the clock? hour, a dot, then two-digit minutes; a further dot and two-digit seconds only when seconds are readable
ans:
12.03
